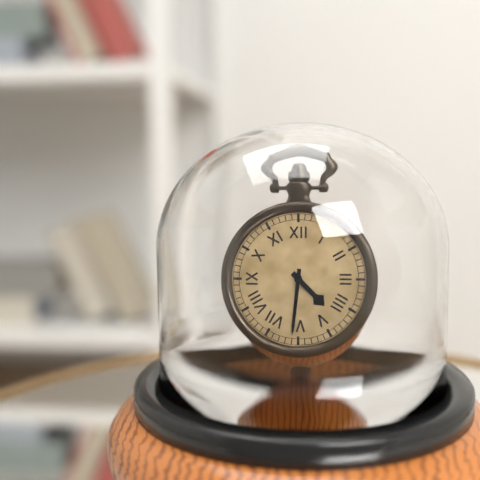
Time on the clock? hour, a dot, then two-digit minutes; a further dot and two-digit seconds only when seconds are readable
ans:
4.31
